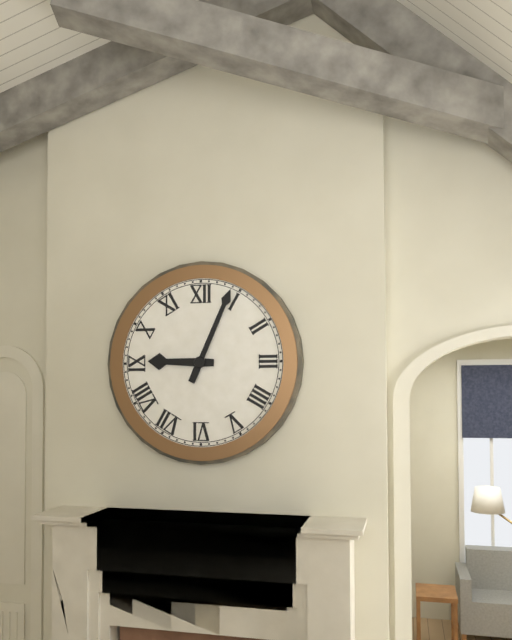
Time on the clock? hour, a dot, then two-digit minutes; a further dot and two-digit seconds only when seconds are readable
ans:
9.04
